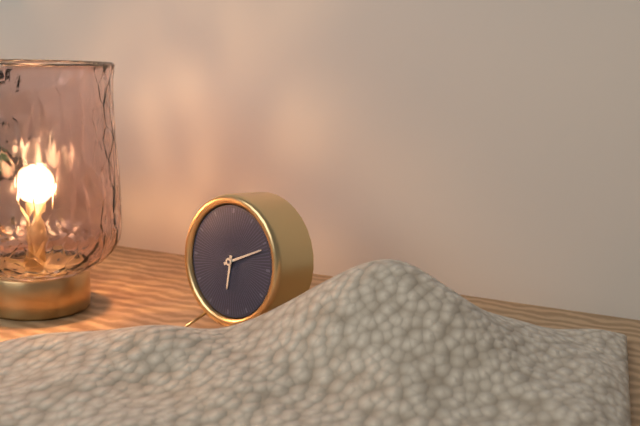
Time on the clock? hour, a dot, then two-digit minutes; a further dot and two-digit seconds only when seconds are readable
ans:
6.11
